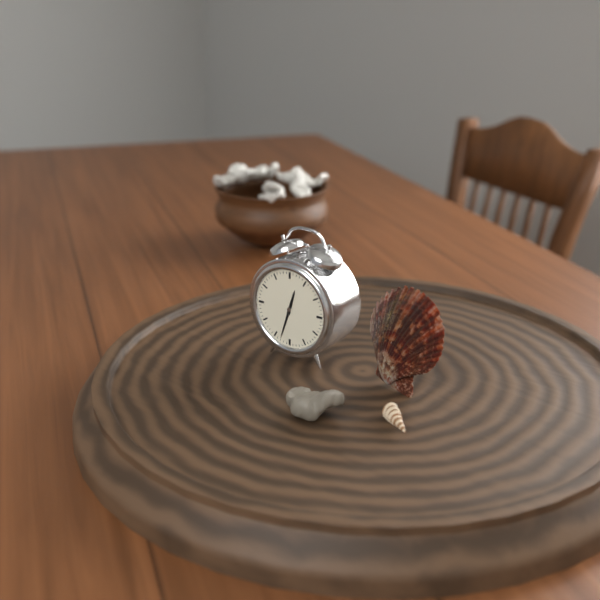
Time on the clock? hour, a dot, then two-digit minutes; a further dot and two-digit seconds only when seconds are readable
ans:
12.33
